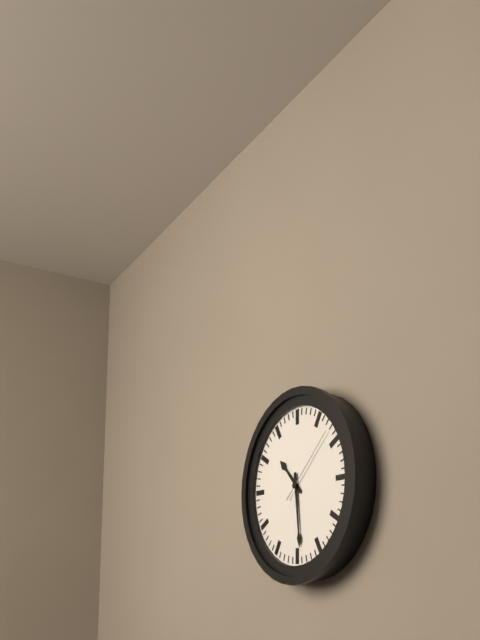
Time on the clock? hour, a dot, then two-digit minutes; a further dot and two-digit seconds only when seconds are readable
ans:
10.29.08
